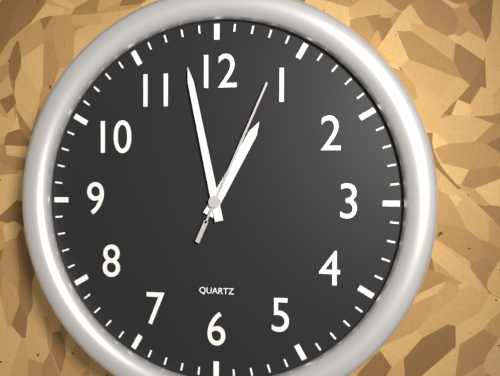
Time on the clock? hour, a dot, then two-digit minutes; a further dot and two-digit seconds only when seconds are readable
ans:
12.58.04
